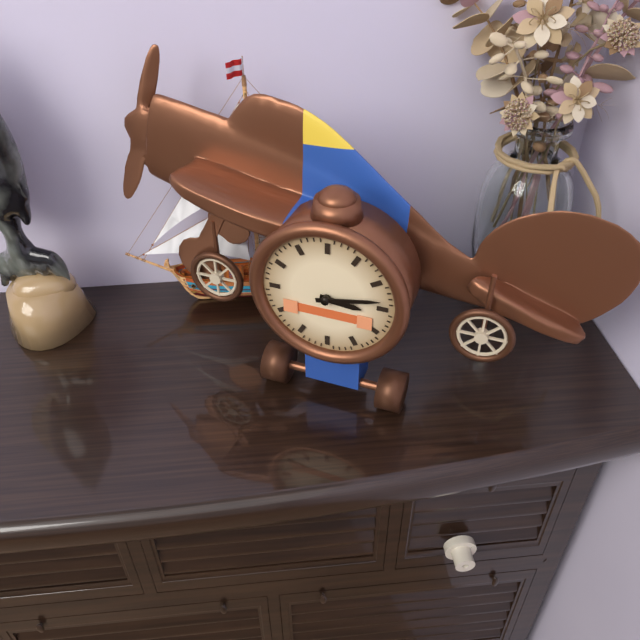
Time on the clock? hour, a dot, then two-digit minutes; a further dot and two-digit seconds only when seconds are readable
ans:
3.13
